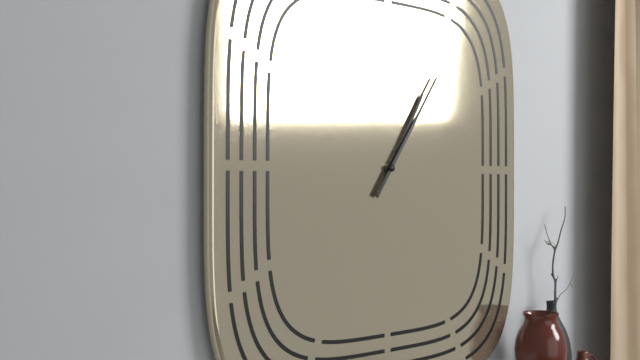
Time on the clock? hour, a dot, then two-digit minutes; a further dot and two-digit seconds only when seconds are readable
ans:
1.06
